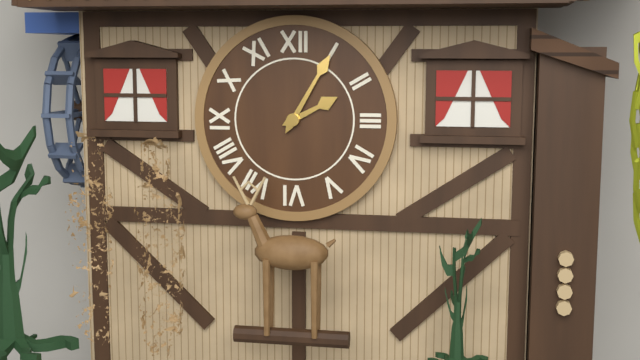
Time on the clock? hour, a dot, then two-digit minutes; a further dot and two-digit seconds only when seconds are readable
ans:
2.05
